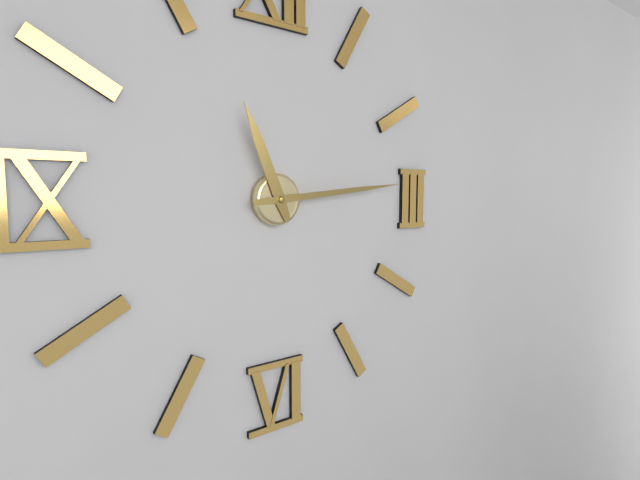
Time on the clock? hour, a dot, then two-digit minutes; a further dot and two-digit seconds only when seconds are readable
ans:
11.14
